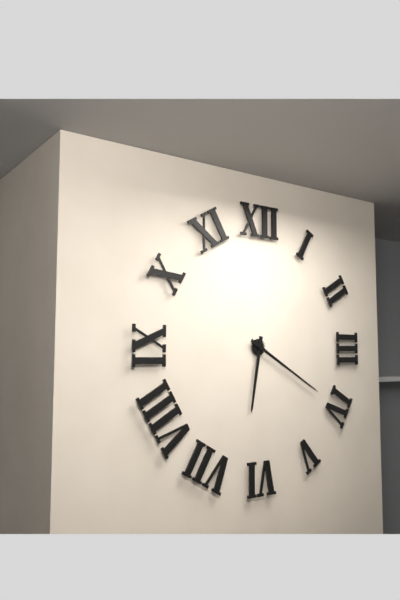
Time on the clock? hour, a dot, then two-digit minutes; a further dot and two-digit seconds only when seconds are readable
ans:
6.20
